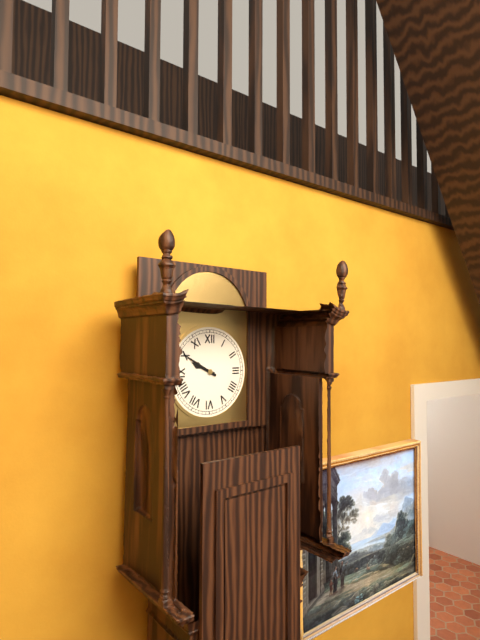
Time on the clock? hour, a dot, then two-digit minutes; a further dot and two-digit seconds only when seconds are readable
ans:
9.50
